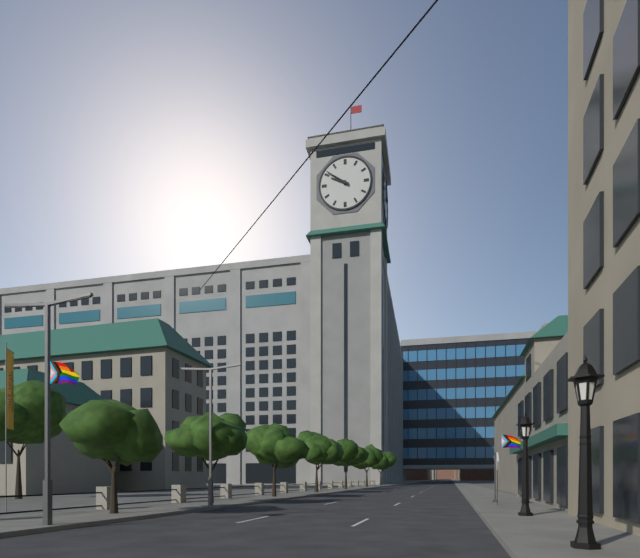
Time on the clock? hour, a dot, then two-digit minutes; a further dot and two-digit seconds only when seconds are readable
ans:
9.51
